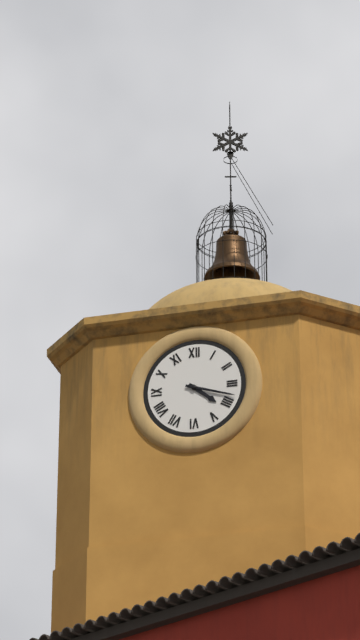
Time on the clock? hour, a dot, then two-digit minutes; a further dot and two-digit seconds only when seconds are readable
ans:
4.18
